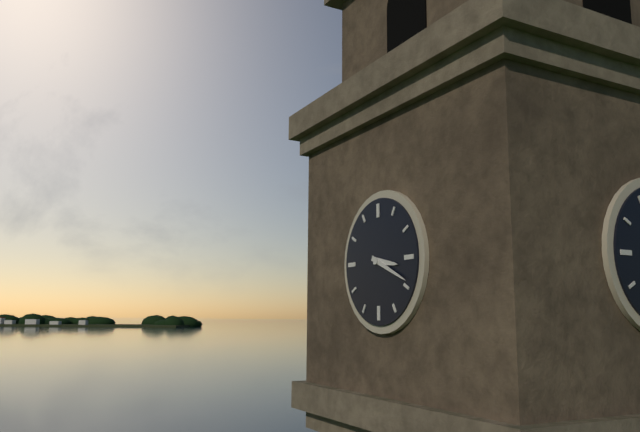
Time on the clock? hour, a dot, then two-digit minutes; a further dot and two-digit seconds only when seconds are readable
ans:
3.19
